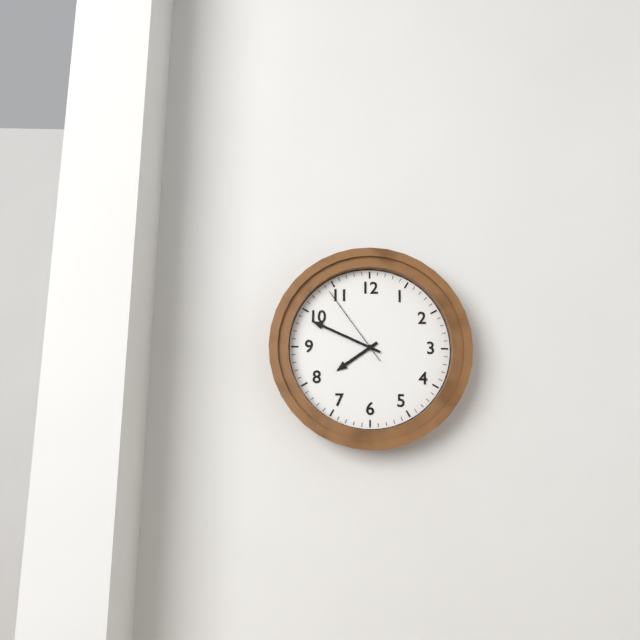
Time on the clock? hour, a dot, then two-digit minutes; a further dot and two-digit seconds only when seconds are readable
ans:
7.49.54
